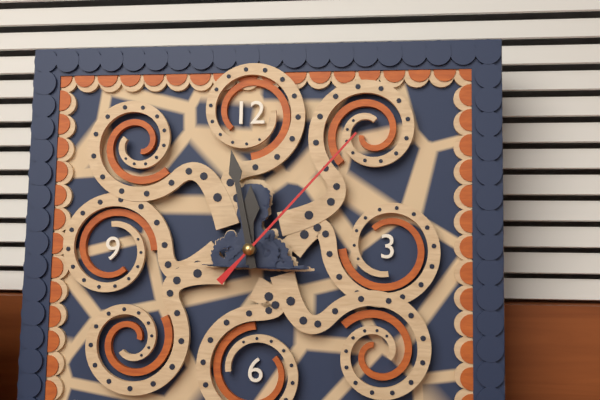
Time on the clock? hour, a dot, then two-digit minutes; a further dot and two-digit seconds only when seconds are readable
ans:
11.58.07
